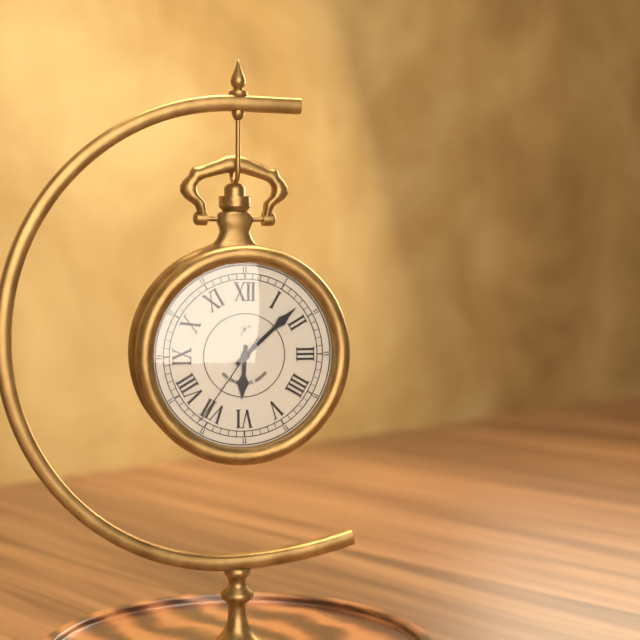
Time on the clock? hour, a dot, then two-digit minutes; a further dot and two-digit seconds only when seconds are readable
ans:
6.08.36
